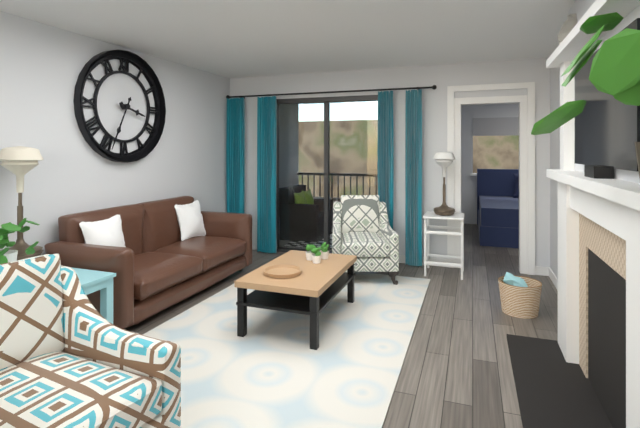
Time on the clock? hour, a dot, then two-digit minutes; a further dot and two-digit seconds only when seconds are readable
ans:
3.34
